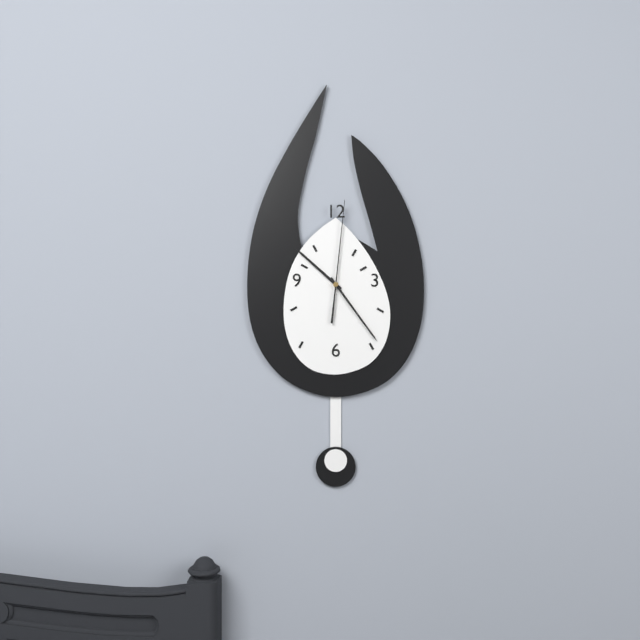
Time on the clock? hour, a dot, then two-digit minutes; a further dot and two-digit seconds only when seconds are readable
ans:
10.24.01
